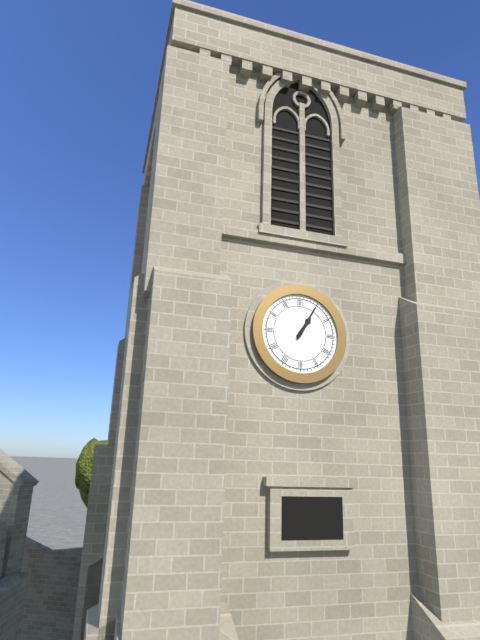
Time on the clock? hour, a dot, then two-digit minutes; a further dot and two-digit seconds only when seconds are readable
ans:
1.05
